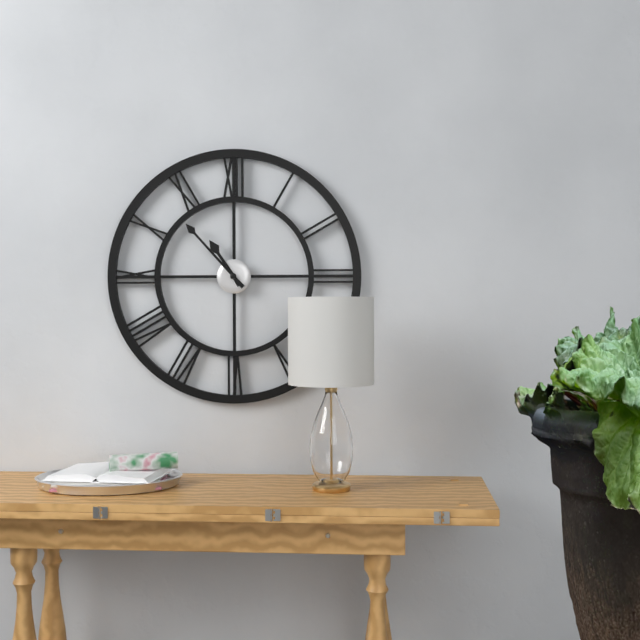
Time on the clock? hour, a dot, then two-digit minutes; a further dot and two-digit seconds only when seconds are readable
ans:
10.53
